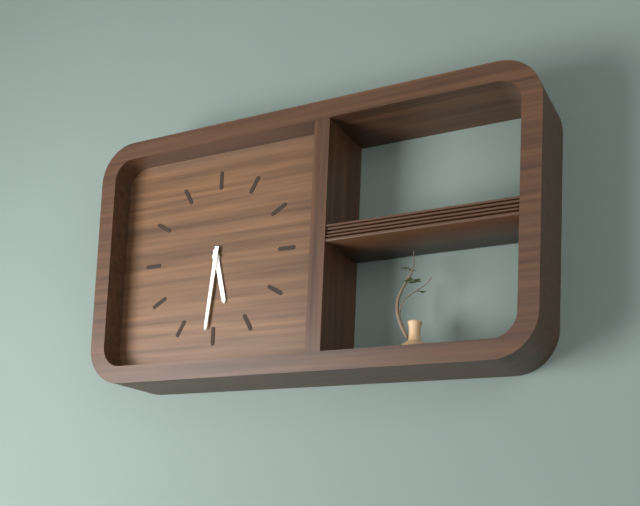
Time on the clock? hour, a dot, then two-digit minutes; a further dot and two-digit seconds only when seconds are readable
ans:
5.31
